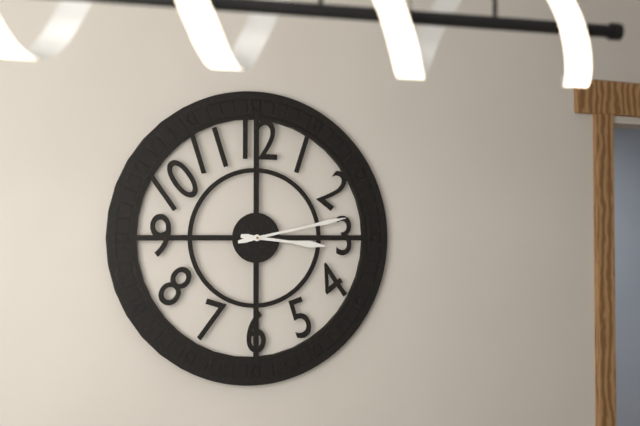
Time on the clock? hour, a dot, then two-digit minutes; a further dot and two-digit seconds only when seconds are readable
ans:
3.13
